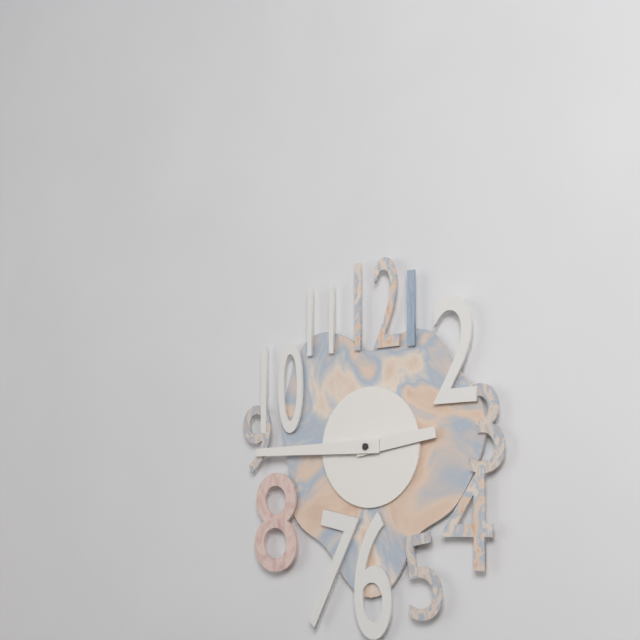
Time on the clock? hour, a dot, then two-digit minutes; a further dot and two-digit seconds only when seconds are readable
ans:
2.45
